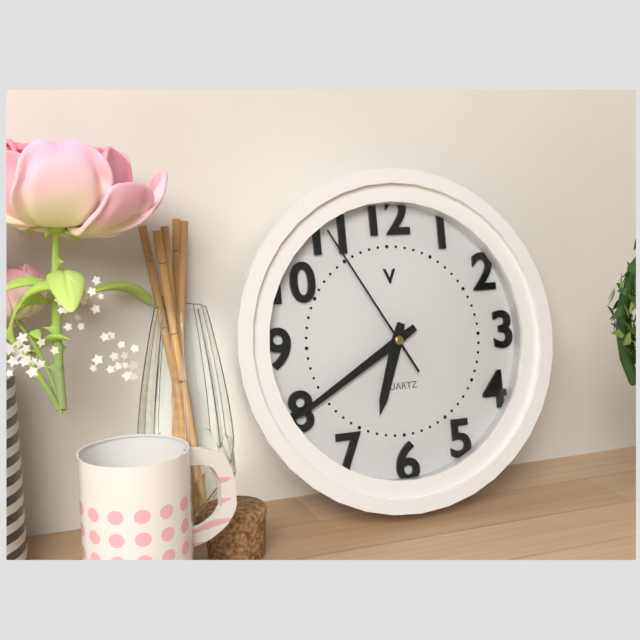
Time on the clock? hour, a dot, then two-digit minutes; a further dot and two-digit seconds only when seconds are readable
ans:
6.40.55
